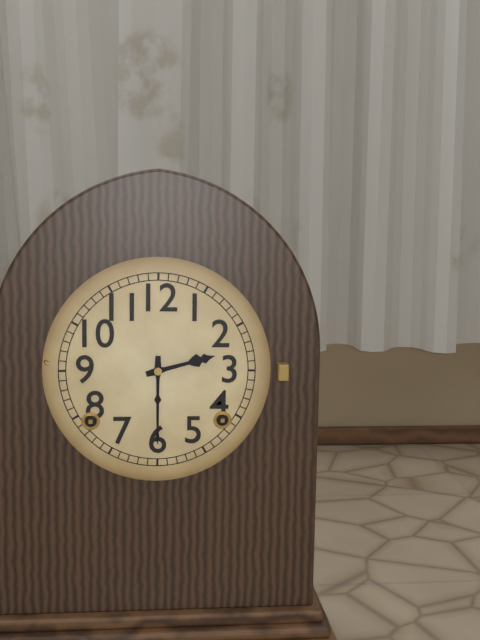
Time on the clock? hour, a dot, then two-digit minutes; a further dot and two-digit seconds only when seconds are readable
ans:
2.30
